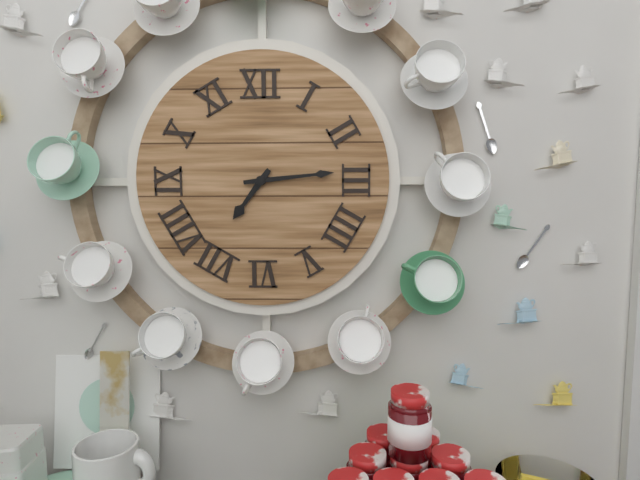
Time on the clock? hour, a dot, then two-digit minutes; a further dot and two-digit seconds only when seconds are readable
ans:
7.14
